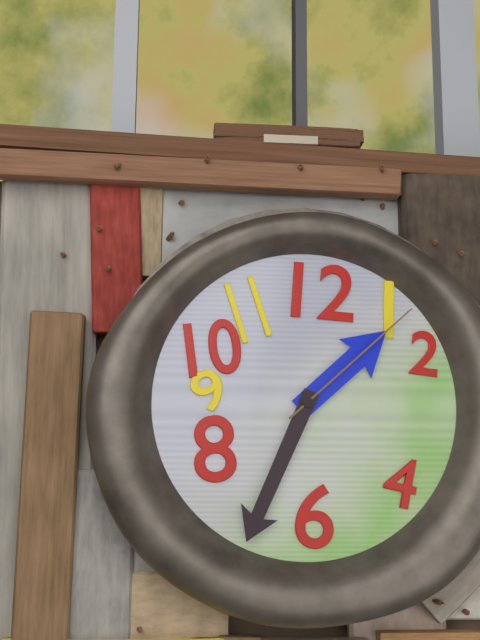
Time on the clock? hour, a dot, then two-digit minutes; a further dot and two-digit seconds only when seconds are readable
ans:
1.34.08
